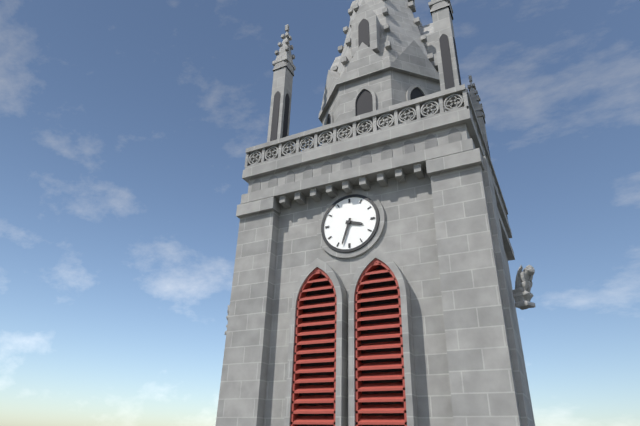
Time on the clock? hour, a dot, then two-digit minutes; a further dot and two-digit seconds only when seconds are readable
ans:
3.33
